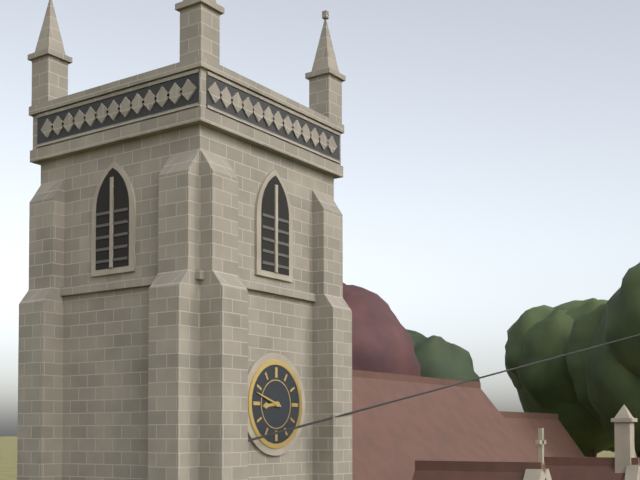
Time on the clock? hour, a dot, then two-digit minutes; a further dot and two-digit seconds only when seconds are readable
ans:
8.48
